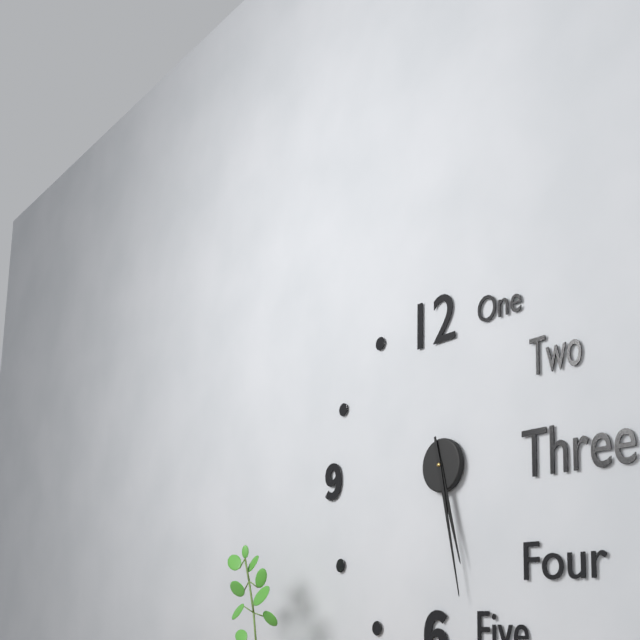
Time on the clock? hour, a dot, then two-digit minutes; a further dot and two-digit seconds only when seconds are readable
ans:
5.28
